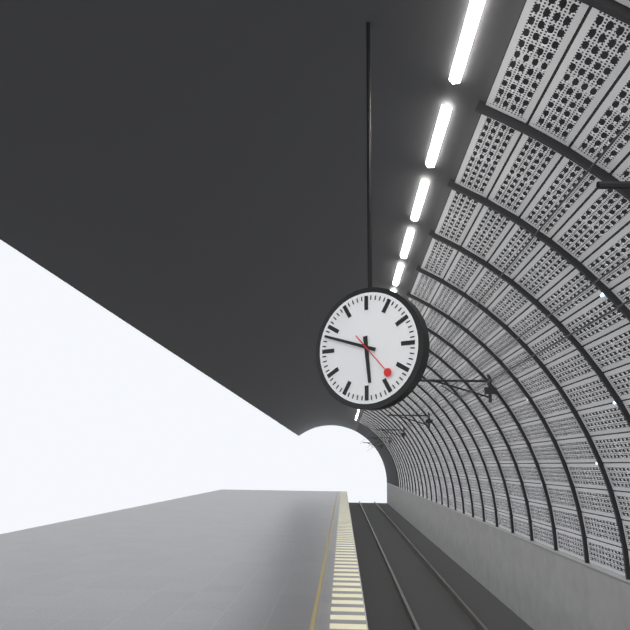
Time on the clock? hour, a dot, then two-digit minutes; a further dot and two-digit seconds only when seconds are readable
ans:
5.48
